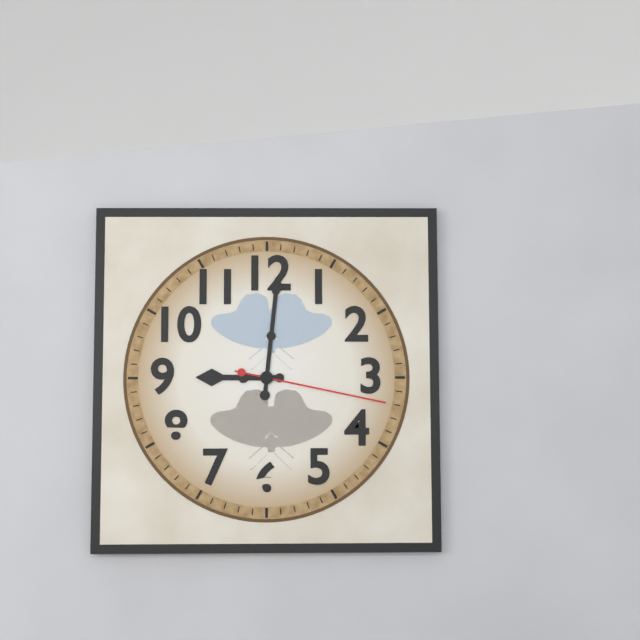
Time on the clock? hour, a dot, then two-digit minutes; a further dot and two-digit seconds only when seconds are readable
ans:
9.01.17
